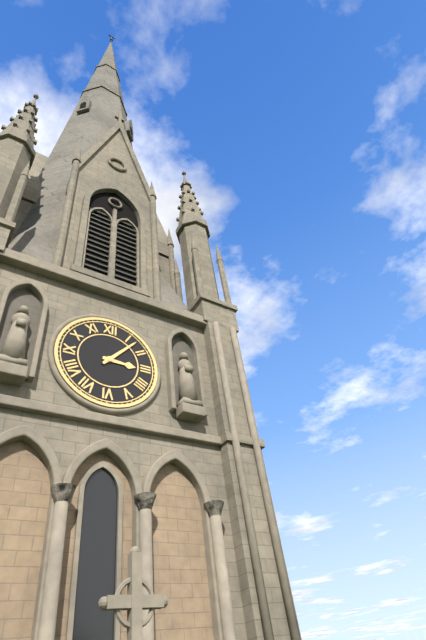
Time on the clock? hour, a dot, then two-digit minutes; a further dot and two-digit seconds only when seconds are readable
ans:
3.07
